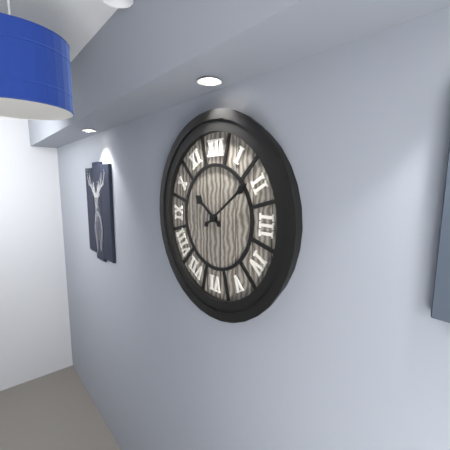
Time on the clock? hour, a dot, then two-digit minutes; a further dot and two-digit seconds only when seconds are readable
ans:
10.09
